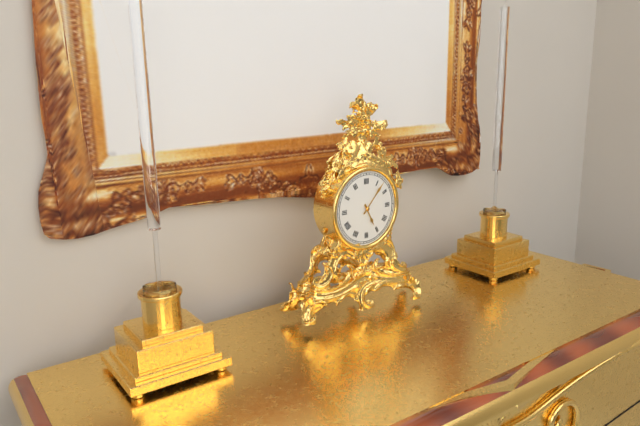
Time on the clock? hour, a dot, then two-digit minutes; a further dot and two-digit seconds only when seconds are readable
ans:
5.07
